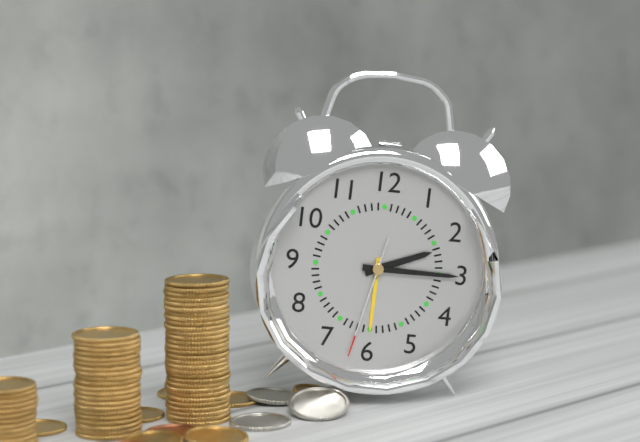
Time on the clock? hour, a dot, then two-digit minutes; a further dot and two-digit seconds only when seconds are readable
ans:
2.15.32
